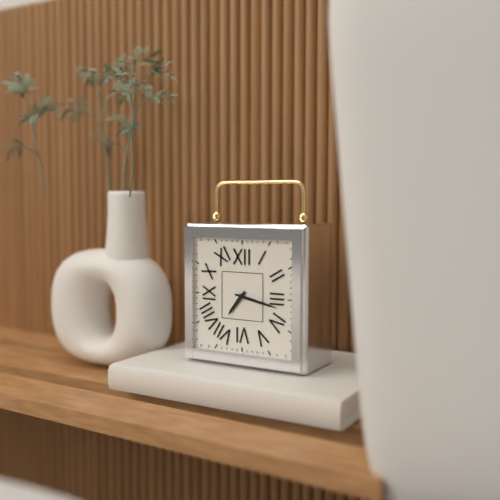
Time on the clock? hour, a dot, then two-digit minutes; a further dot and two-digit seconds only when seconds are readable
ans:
7.17
